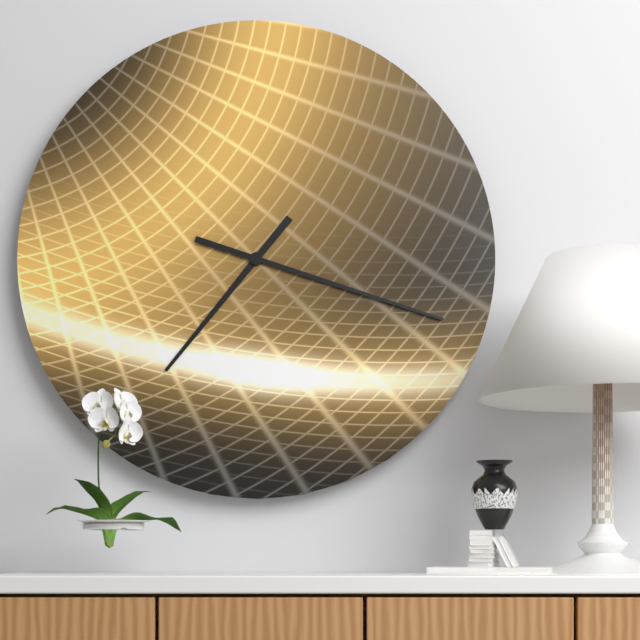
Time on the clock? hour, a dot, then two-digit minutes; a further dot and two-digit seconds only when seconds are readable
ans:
7.18
